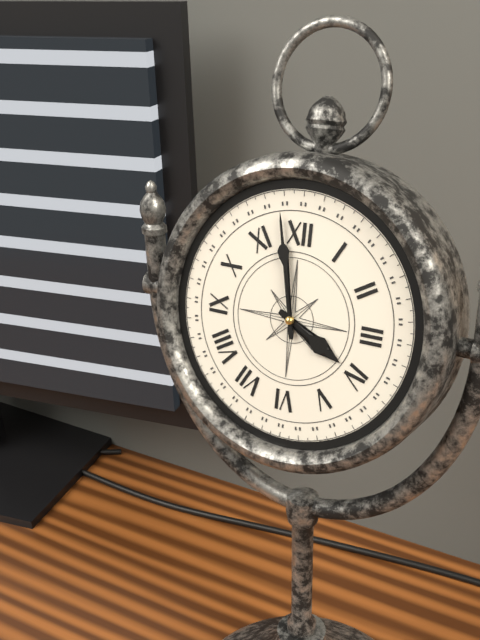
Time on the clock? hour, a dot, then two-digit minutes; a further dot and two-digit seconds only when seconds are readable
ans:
3.58
